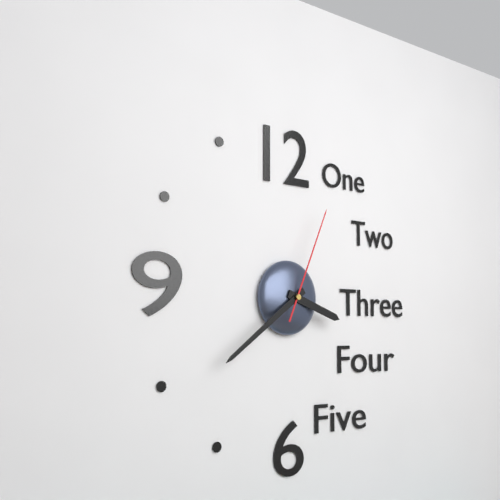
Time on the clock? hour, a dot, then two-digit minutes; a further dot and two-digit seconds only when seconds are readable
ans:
3.39.04
